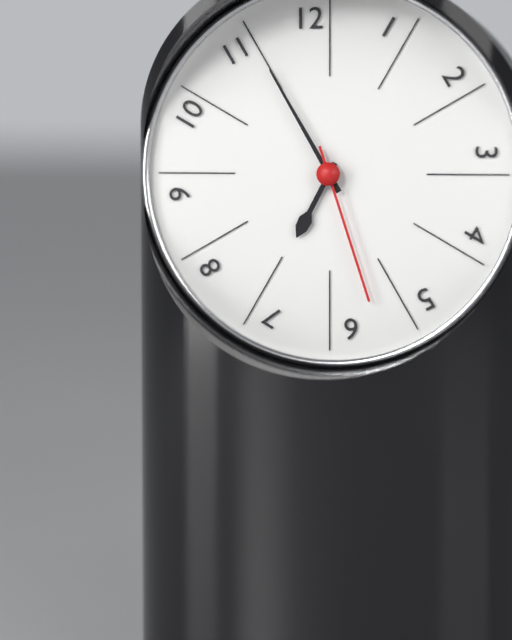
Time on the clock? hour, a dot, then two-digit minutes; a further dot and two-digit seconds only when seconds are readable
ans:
6.55.27
